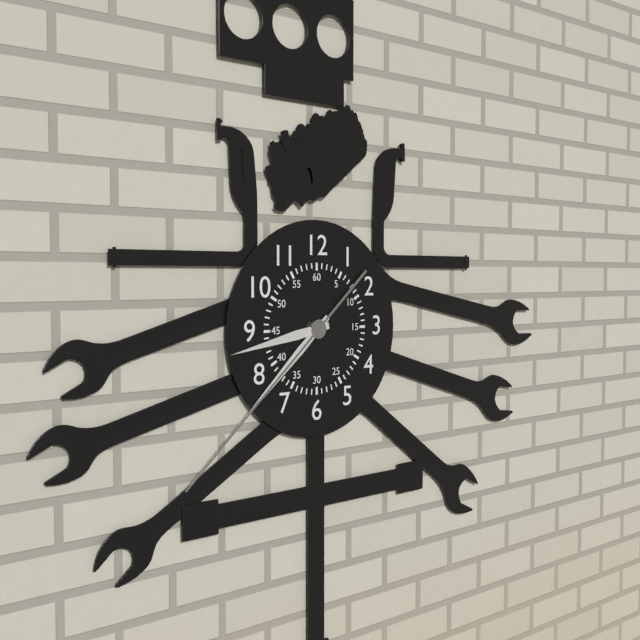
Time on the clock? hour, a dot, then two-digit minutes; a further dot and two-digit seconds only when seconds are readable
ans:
8.38.38
